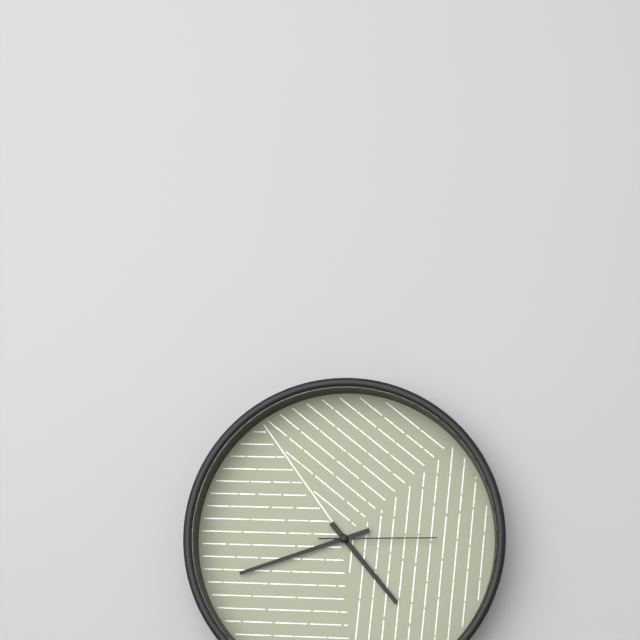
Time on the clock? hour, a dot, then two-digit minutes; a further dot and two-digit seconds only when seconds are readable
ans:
4.42.15
